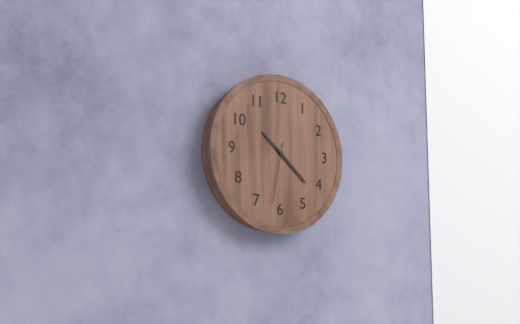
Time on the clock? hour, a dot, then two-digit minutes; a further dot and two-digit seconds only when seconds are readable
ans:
10.22.32
